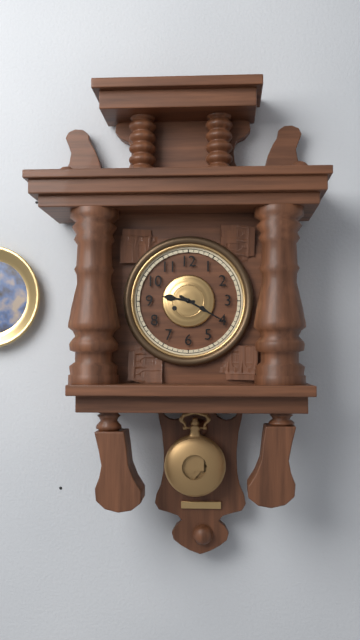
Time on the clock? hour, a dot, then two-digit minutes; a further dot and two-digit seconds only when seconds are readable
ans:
9.20
